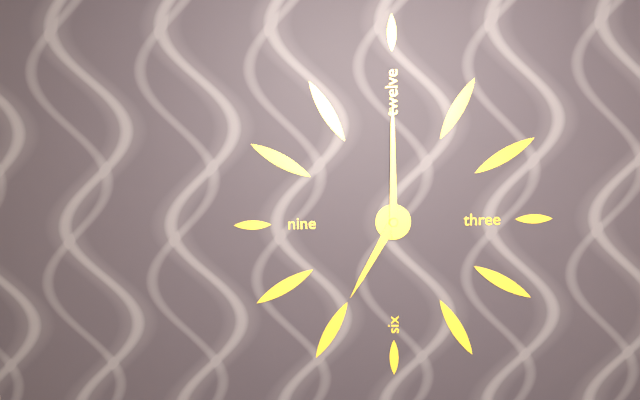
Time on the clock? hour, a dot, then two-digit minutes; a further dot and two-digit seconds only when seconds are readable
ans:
7.00
